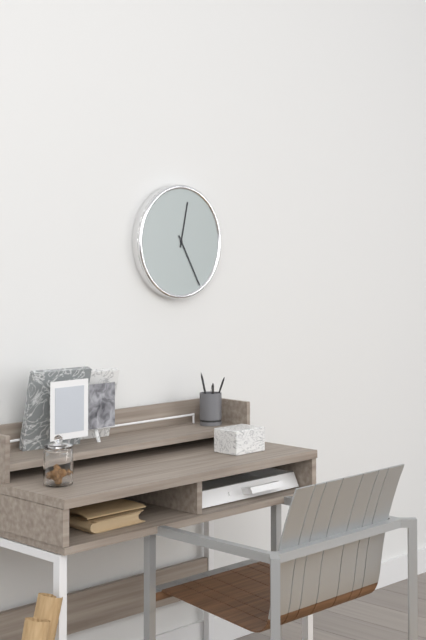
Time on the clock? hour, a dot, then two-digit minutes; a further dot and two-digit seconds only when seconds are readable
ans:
12.25
